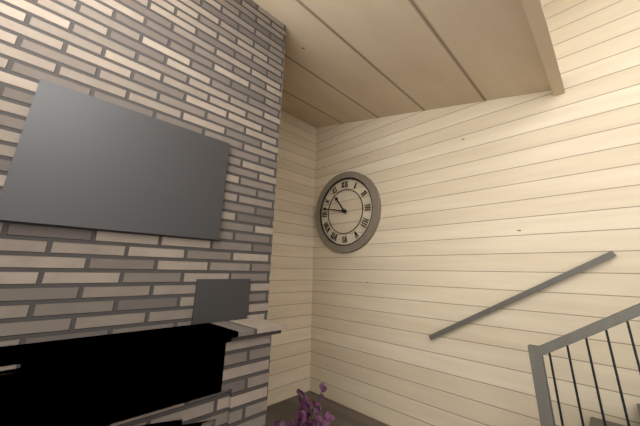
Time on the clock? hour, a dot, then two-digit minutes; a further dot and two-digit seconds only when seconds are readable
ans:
10.47
